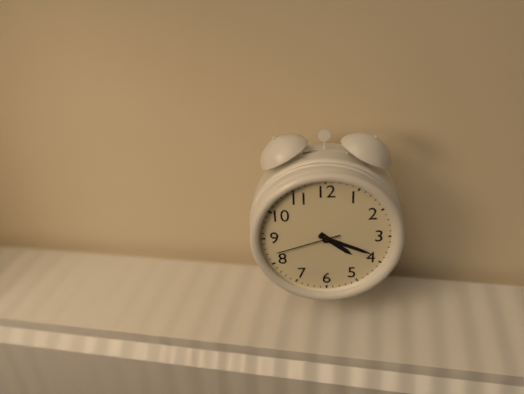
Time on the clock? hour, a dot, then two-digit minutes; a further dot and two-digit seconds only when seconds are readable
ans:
4.19.42
